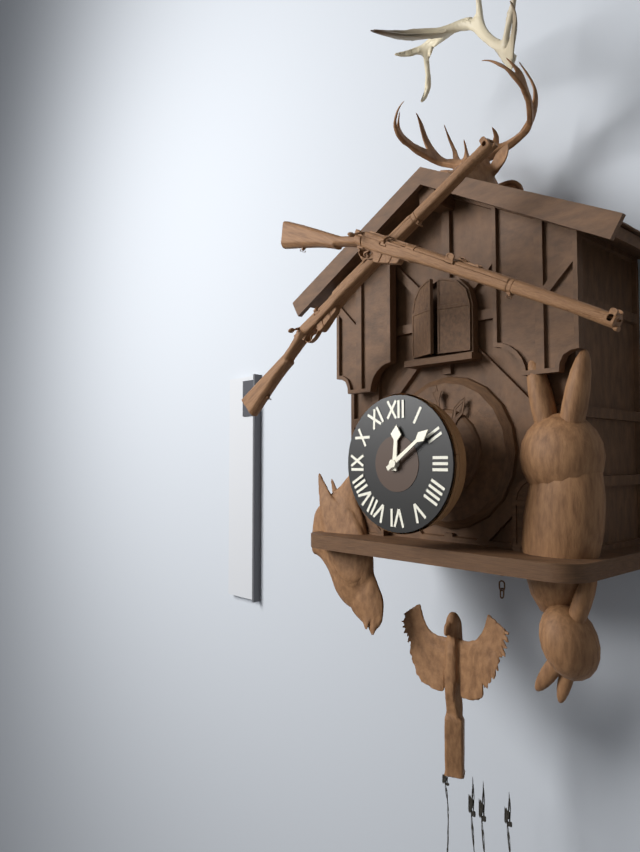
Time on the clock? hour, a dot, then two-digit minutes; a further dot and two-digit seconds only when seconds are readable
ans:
12.09
